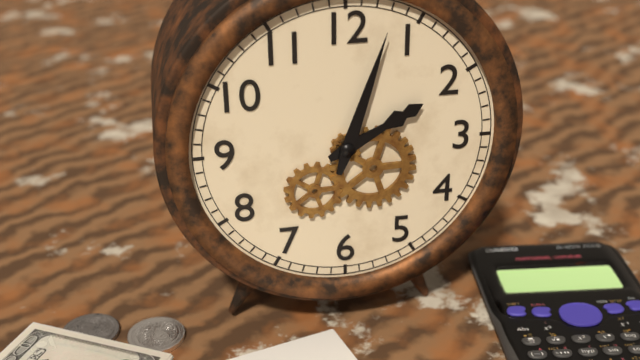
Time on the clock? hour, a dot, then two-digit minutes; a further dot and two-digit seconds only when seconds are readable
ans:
2.03
